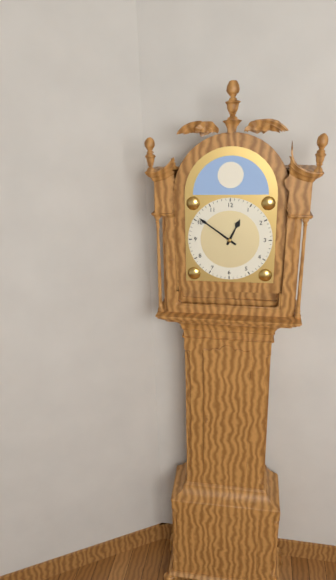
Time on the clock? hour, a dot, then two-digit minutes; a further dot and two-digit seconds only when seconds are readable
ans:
12.51
